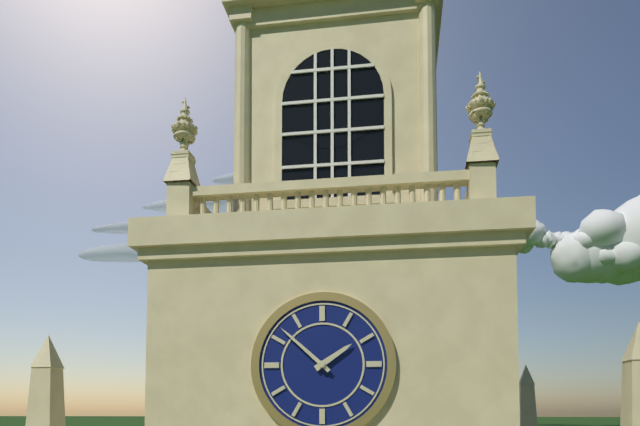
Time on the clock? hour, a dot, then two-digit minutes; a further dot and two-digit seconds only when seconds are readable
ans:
1.52
